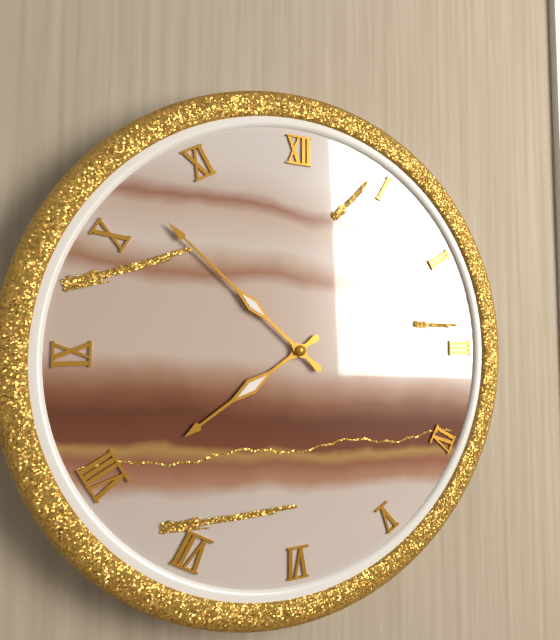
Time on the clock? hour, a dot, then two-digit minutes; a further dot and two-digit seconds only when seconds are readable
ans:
7.52
